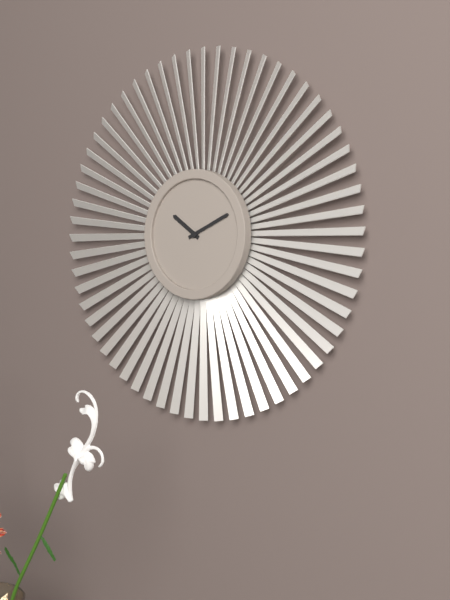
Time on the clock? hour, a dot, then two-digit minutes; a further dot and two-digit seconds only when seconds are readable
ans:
10.11
